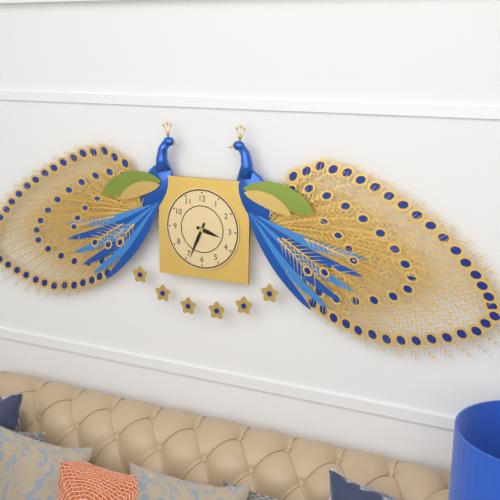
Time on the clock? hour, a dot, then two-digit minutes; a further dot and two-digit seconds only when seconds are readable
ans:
3.34
